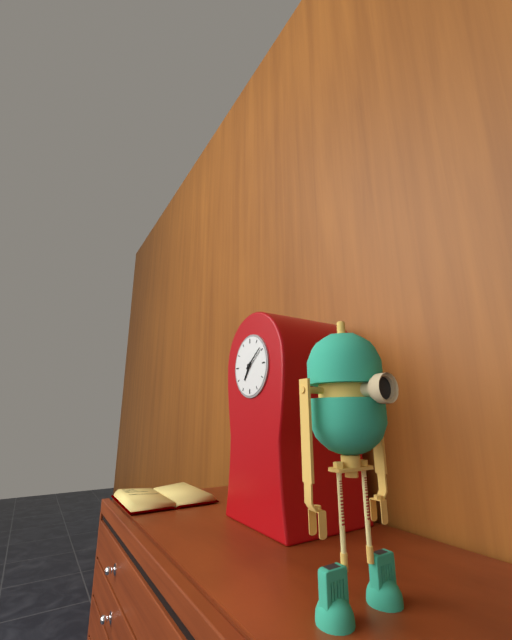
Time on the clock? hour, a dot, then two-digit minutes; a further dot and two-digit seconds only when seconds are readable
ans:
7.09
